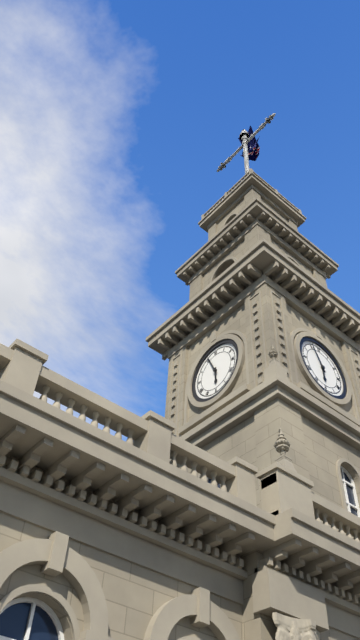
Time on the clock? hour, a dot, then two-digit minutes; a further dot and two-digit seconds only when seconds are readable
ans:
5.56
